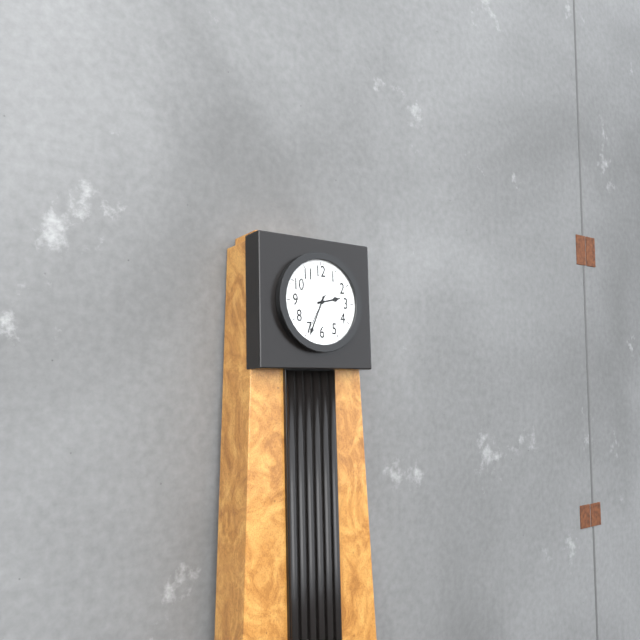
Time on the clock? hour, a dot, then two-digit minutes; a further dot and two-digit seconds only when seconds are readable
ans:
2.34
